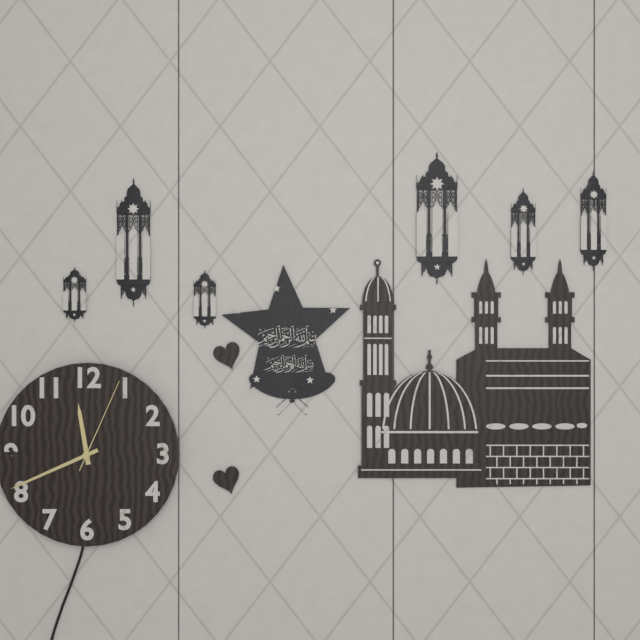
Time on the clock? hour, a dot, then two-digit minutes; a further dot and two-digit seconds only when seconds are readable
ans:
11.41.04
